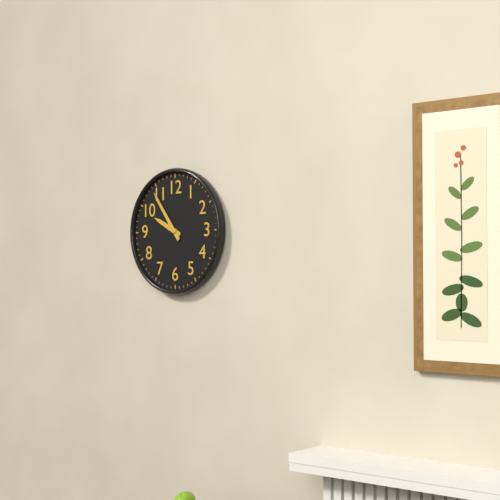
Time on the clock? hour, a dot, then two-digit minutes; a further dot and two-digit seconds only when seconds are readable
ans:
9.54
